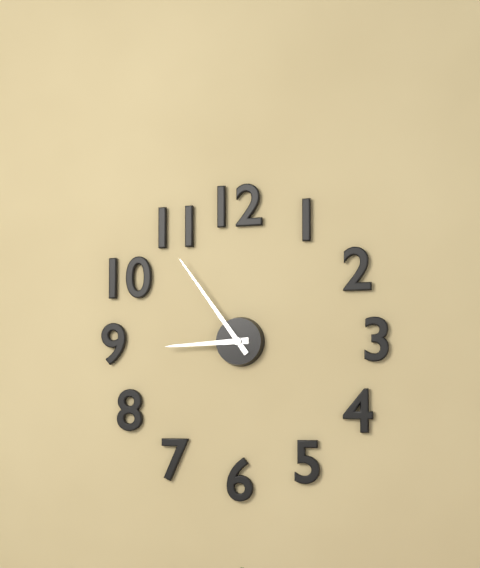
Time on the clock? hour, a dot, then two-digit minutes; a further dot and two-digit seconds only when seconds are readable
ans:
8.54
